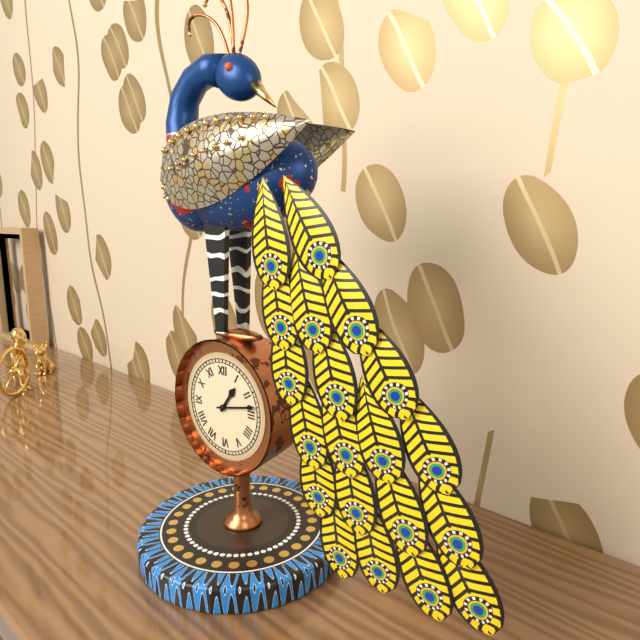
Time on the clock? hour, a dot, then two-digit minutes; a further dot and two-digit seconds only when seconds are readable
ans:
1.13
